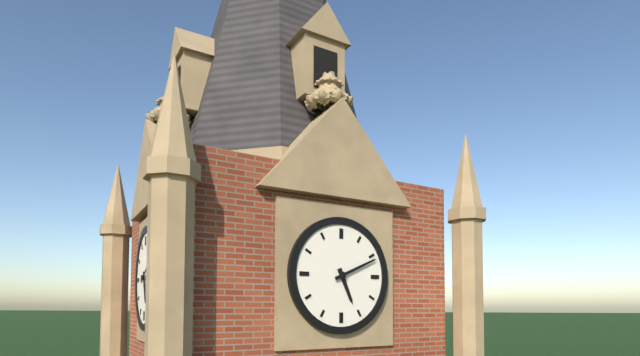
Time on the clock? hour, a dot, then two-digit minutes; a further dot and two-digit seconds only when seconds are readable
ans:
5.11
